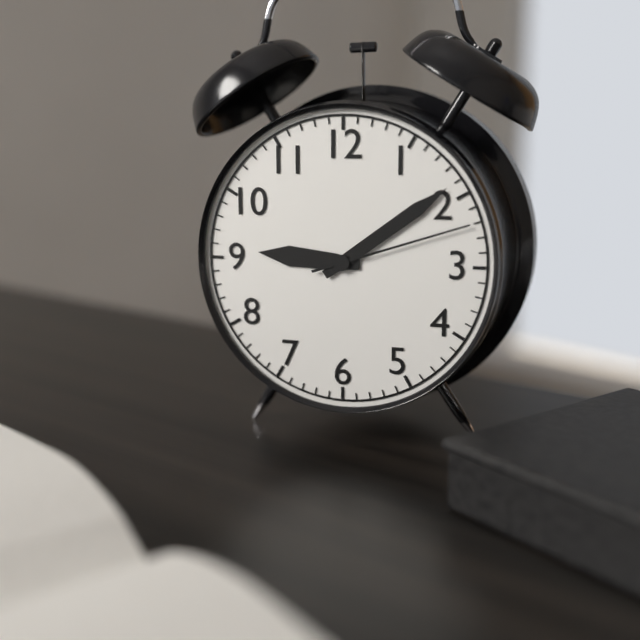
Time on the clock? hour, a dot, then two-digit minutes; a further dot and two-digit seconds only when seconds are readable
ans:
9.09.12
